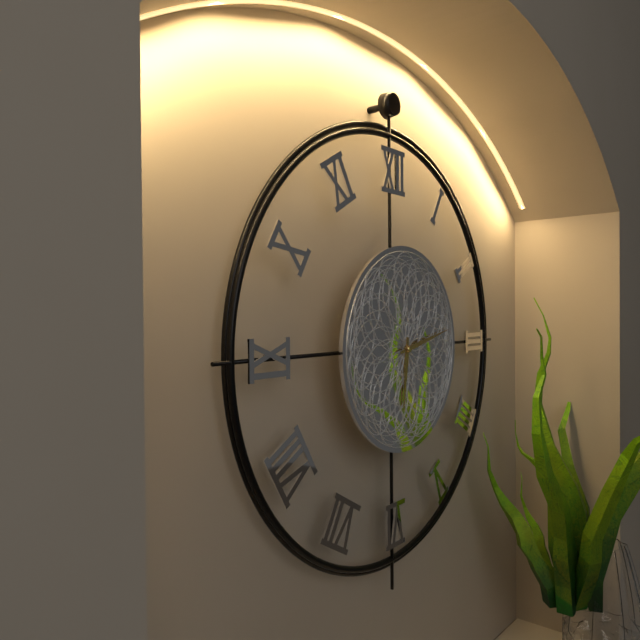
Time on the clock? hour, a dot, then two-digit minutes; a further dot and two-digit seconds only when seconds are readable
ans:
6.13
